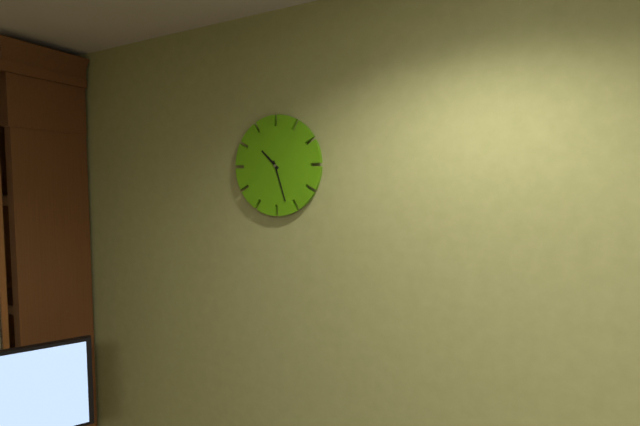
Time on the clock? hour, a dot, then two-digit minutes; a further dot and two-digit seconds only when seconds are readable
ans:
10.27
